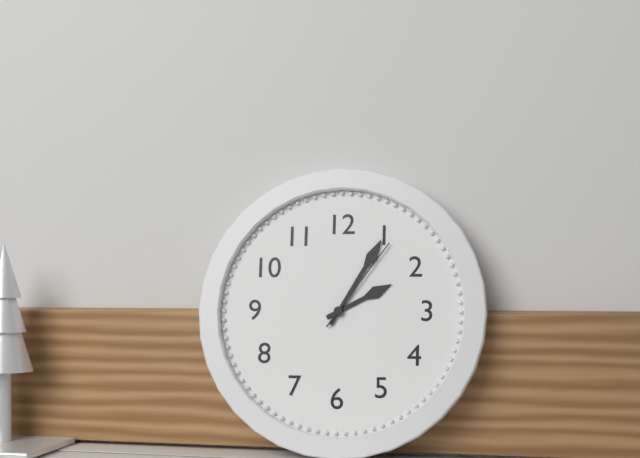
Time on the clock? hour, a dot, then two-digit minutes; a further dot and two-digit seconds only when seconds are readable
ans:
2.05.06
